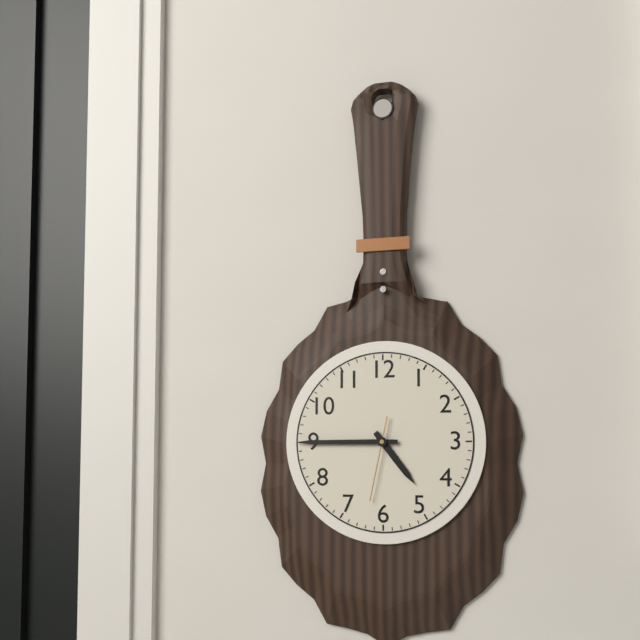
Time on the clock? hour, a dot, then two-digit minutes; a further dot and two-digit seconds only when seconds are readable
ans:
4.45.32
